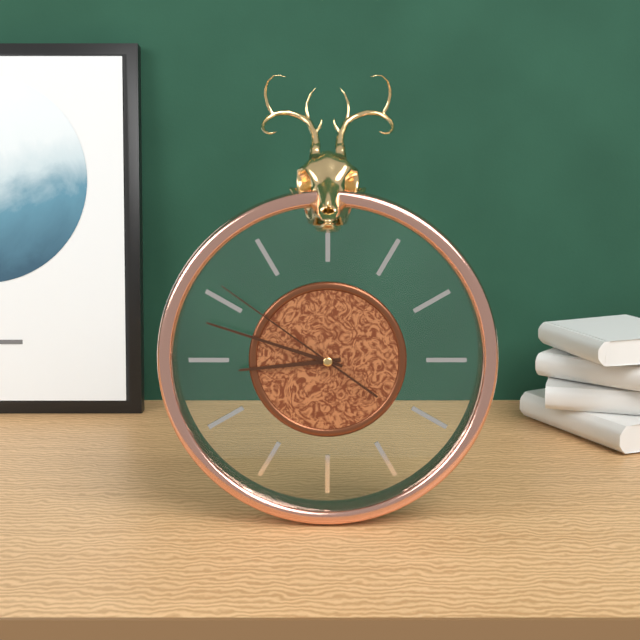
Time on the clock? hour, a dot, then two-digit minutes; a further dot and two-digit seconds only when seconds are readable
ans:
8.48.51
